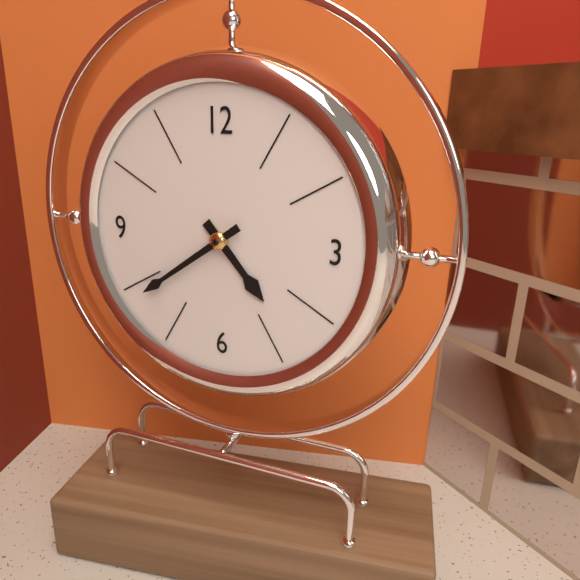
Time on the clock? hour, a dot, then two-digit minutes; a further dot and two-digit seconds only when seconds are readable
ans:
4.39
